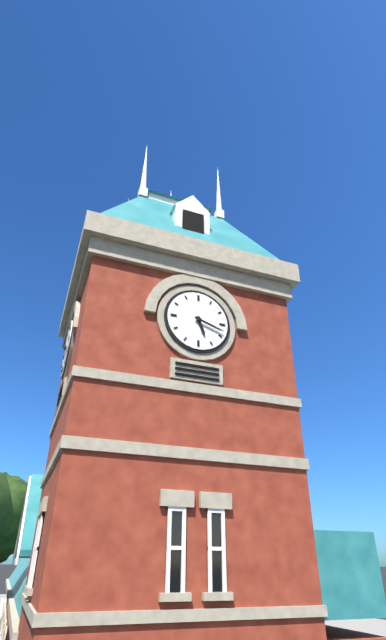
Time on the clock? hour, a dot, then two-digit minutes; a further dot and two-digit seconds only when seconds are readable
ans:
5.18
